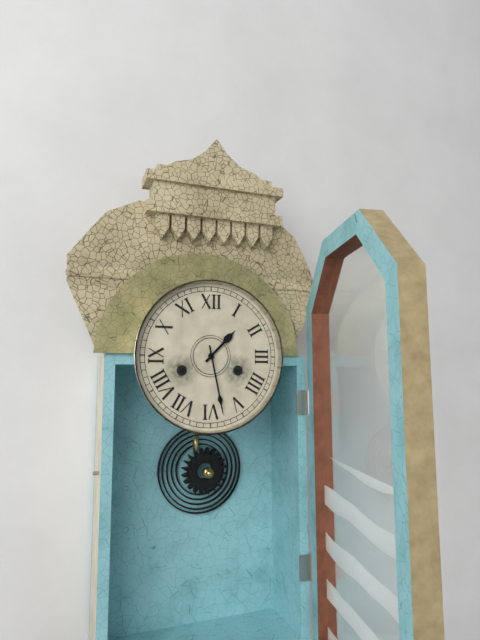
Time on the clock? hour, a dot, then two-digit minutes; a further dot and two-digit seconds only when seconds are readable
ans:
1.28
